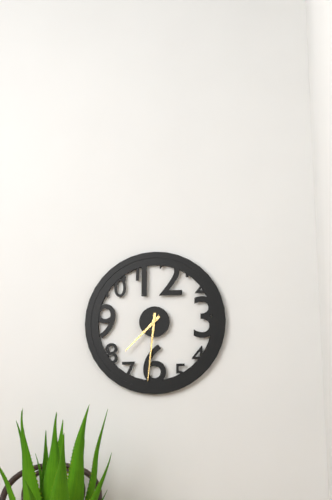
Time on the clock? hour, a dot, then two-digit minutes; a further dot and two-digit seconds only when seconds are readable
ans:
7.31
